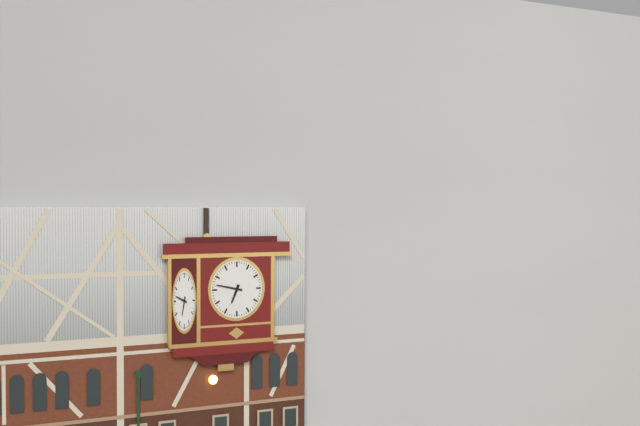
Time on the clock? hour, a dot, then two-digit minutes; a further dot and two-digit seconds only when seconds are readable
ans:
6.47
